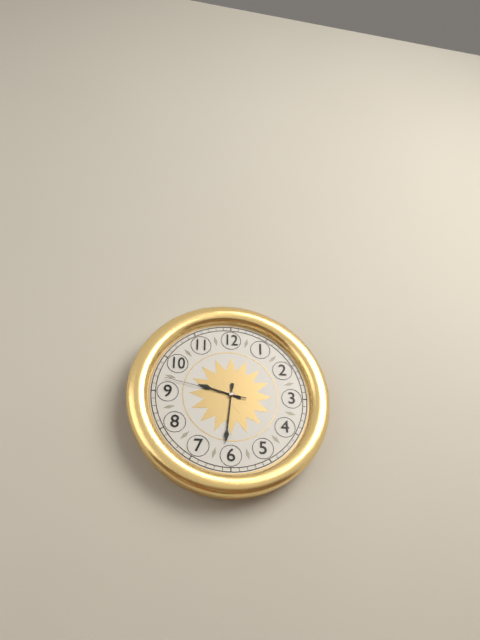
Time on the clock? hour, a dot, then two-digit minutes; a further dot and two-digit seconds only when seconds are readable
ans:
9.31.47
